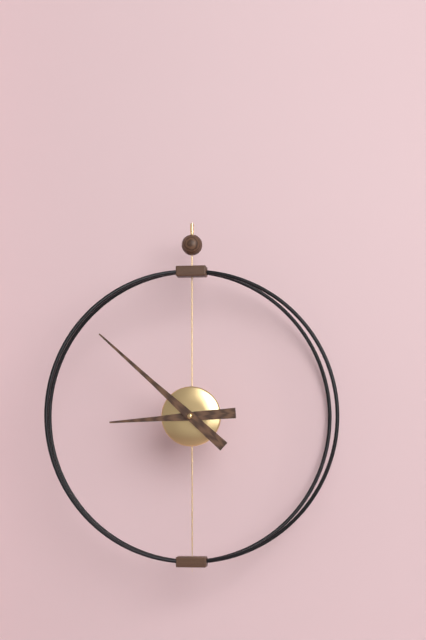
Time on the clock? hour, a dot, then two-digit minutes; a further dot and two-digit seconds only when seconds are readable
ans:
8.52
